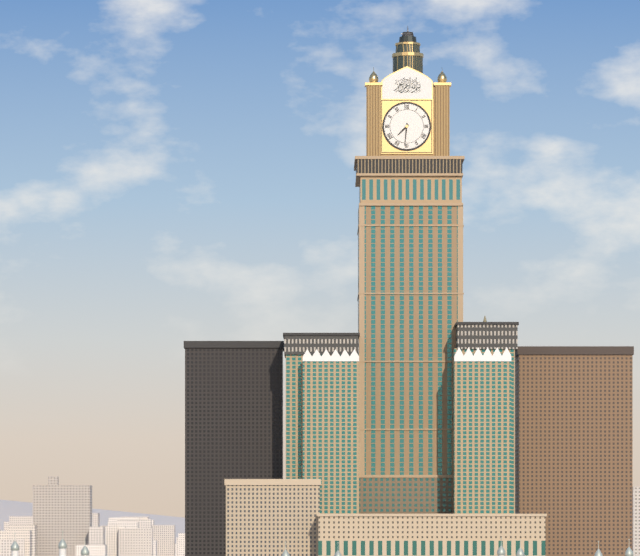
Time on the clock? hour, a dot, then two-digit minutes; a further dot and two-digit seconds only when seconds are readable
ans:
7.31
